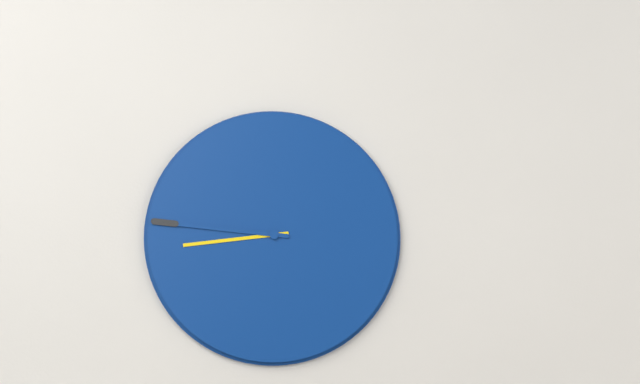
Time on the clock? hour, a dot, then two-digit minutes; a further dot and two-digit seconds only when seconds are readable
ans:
8.46
